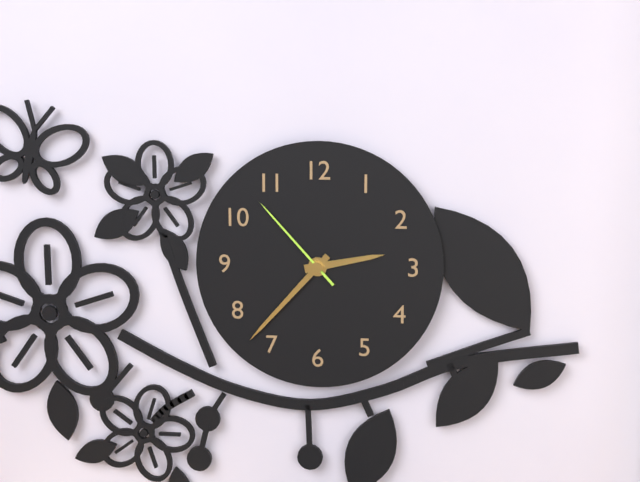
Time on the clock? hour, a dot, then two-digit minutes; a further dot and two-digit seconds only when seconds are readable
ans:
2.37.53
